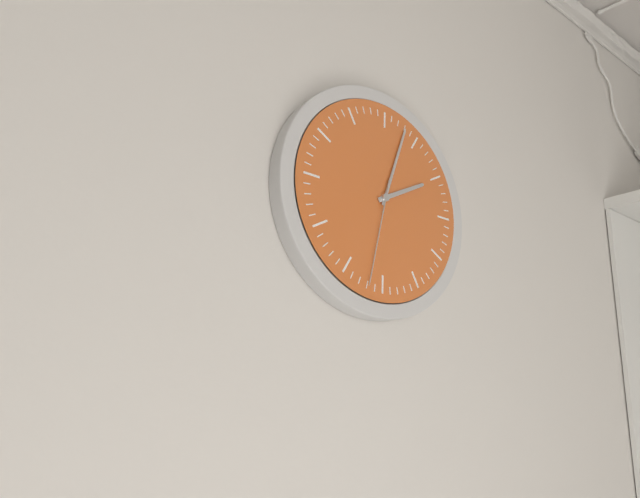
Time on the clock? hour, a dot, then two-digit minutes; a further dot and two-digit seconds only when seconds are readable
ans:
2.03.32
